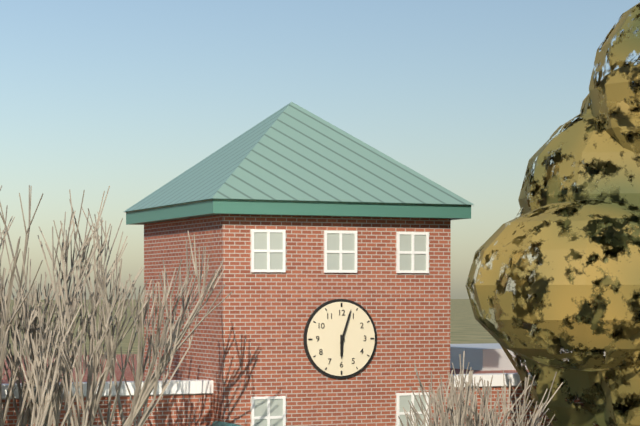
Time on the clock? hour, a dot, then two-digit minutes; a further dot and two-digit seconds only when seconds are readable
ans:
6.03
